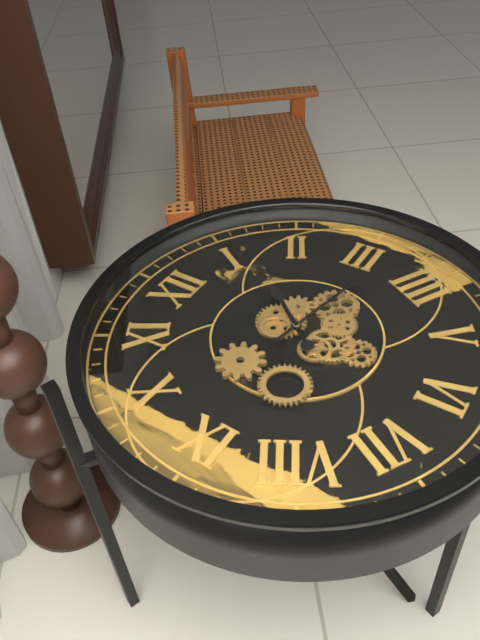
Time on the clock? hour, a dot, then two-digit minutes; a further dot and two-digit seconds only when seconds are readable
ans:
1.17
